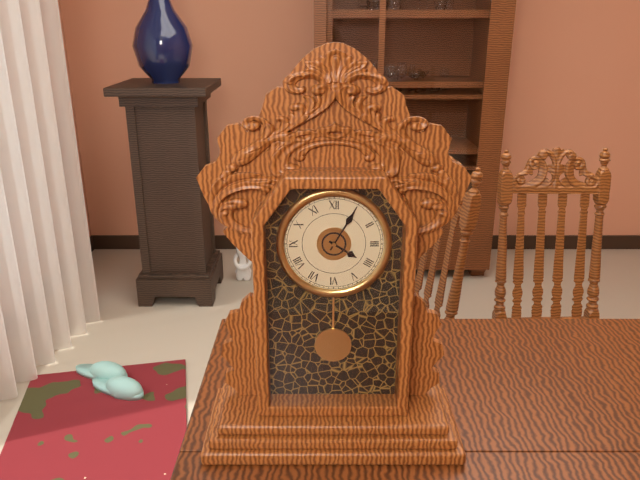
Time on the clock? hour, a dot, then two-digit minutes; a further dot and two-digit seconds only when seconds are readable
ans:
4.05
